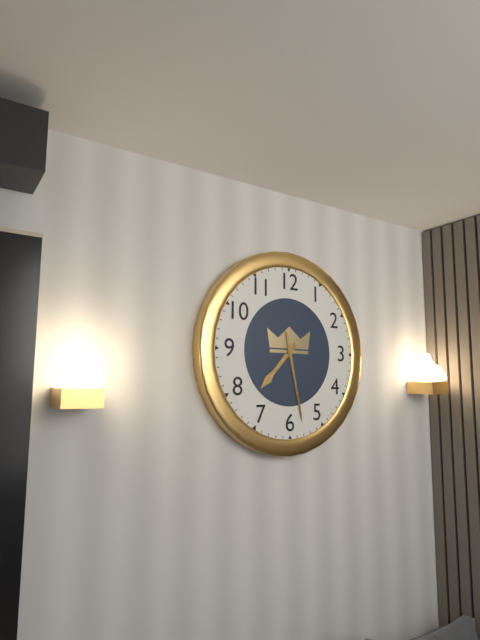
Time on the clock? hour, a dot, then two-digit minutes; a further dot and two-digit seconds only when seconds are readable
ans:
7.28
